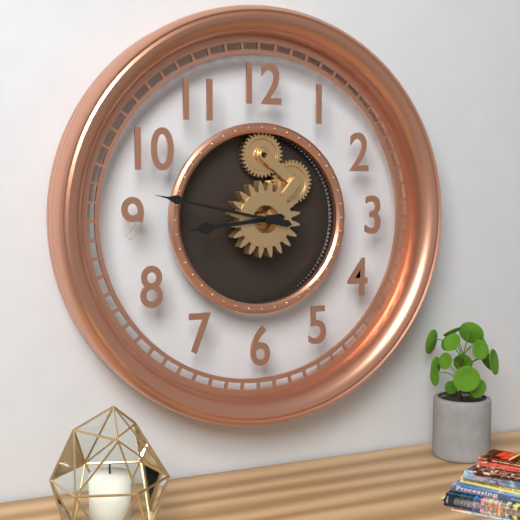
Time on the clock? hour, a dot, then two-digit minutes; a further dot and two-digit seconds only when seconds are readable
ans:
8.47
